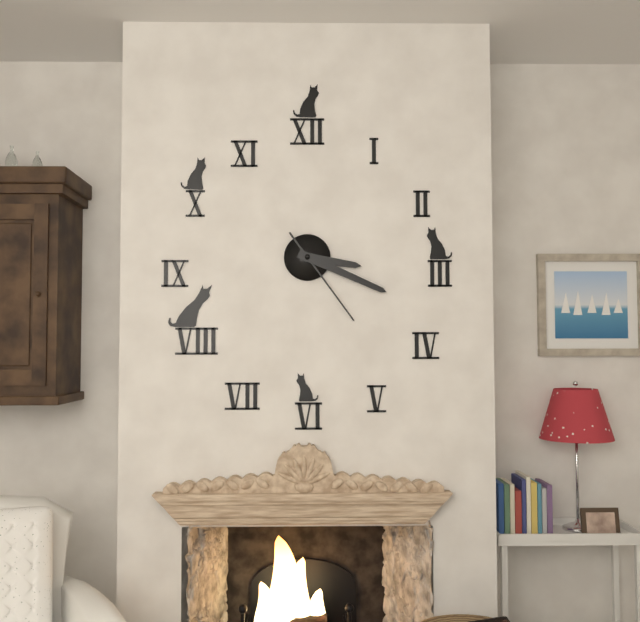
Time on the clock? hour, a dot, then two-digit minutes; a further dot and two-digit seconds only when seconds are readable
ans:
3.19.24
